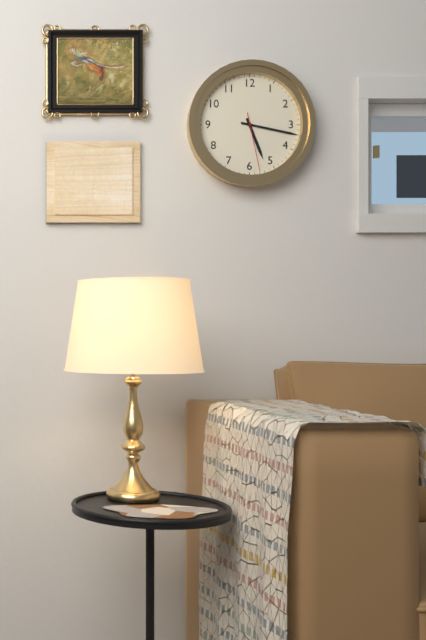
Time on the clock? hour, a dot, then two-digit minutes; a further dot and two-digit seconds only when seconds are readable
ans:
5.17.28
